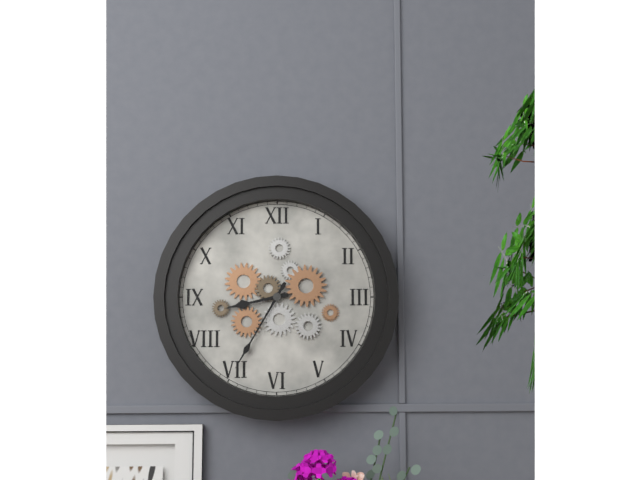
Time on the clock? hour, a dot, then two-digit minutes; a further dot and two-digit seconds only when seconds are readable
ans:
8.35
